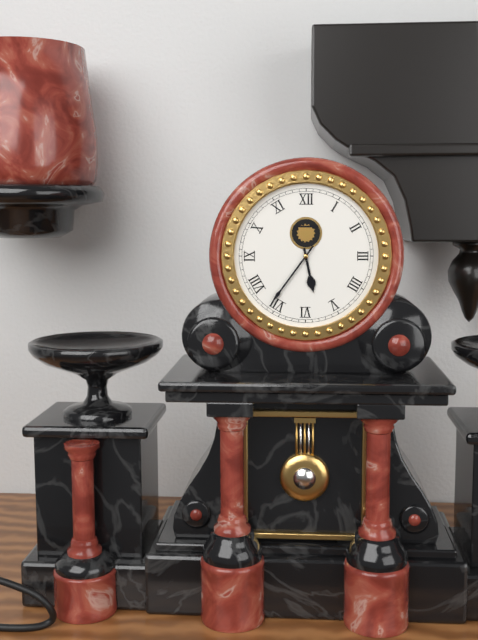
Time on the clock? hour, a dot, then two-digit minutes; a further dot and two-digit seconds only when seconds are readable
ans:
5.36
